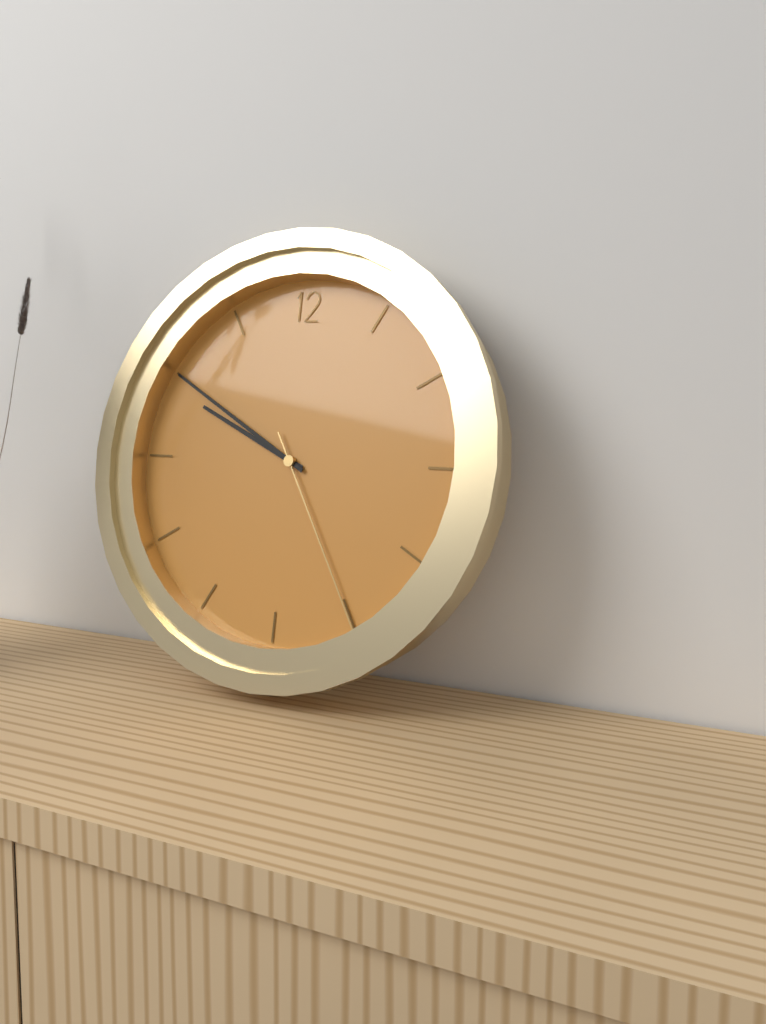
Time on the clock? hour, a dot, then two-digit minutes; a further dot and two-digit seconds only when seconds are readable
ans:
9.50.25
